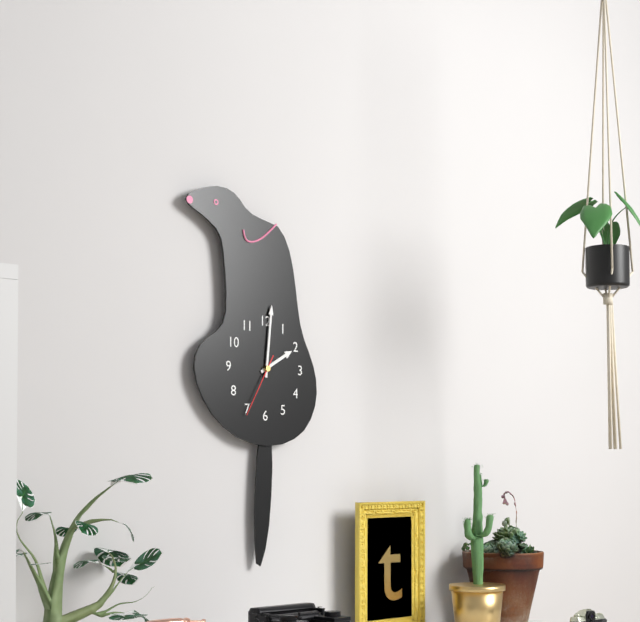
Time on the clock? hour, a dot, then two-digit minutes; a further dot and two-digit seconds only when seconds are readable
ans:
2.01.35
